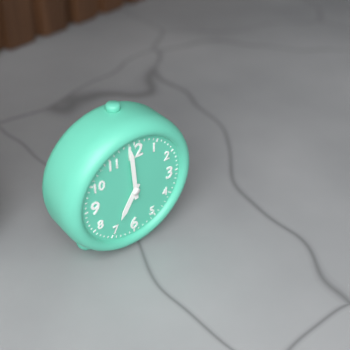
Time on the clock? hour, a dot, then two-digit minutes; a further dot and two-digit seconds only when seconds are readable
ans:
6.59
